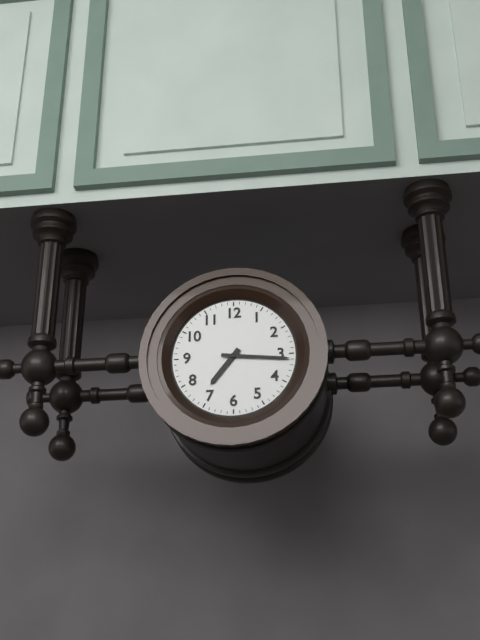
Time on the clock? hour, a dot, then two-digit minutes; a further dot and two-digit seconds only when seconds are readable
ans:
7.16
